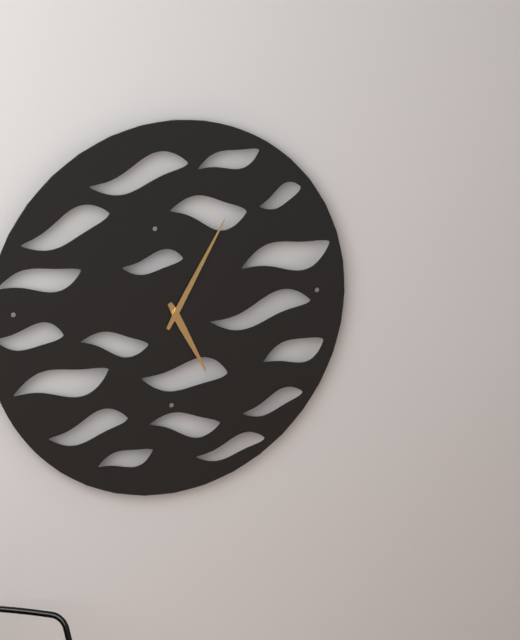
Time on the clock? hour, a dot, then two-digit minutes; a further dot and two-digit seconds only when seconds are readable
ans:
5.05
